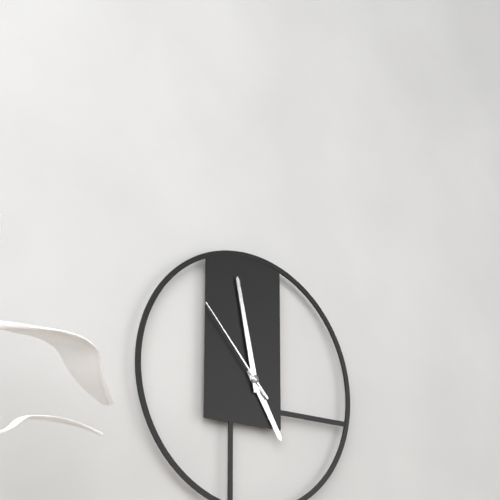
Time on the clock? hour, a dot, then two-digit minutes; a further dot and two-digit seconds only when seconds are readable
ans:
4.58.53
